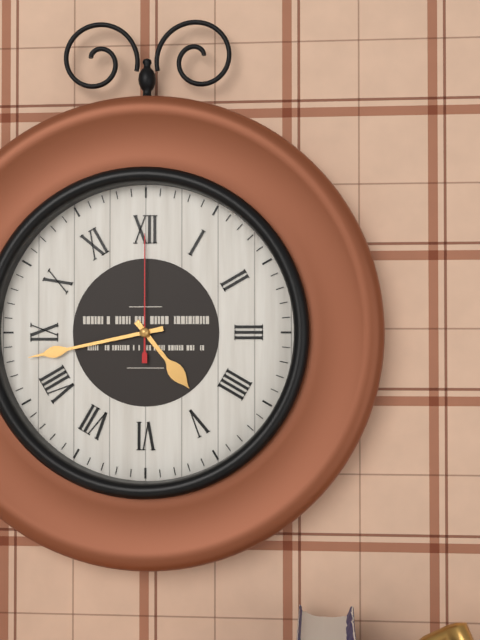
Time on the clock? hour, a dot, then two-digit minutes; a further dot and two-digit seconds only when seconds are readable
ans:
4.43.00
